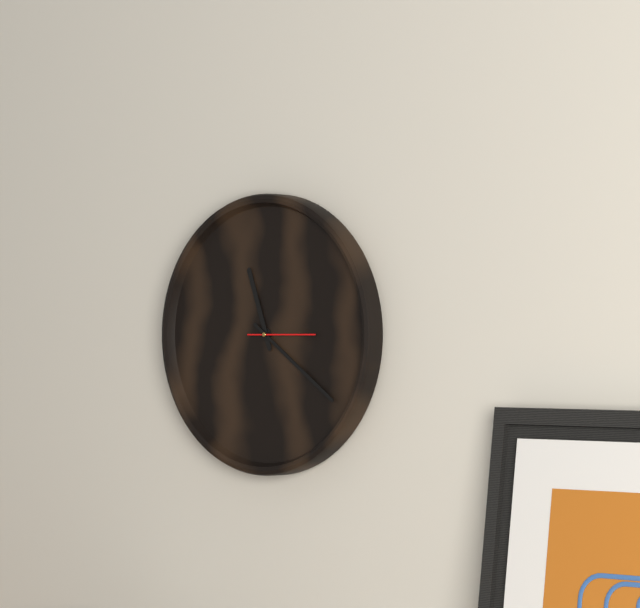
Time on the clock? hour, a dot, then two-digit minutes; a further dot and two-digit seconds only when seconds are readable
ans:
11.21.15
